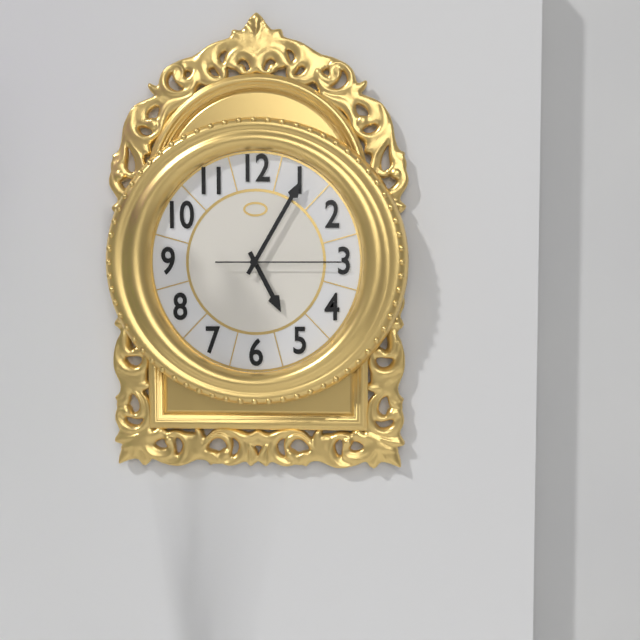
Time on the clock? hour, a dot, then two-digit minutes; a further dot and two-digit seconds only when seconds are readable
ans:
5.05.15
